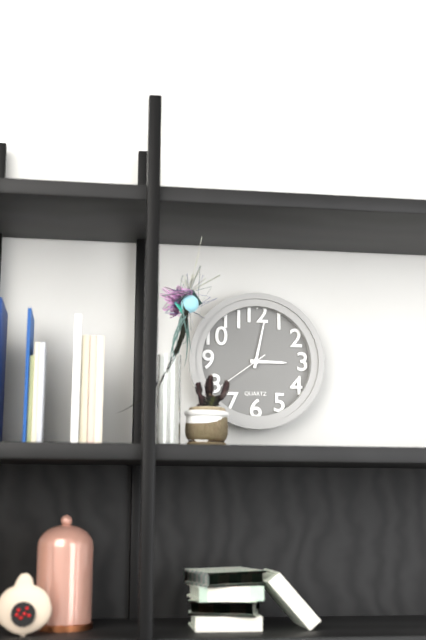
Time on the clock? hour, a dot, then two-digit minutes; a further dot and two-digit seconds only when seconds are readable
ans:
3.02.39
